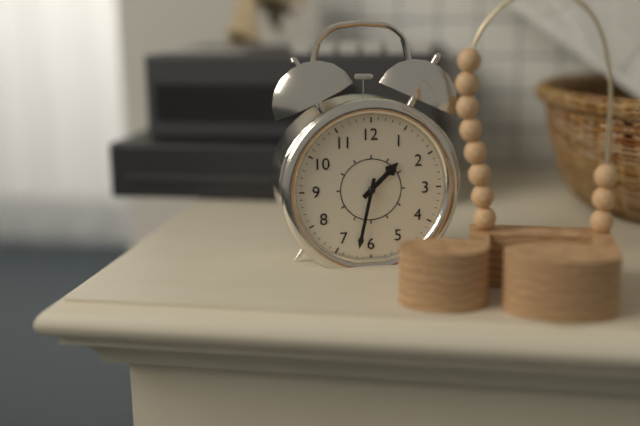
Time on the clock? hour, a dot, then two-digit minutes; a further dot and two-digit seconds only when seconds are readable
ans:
1.32
